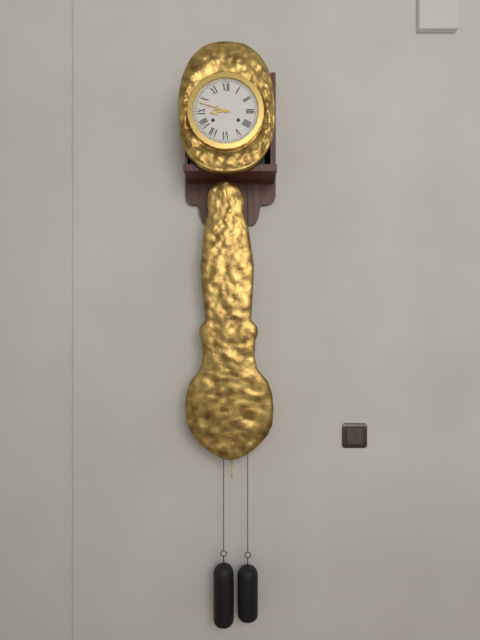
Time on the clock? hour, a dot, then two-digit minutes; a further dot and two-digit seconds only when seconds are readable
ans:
8.48
